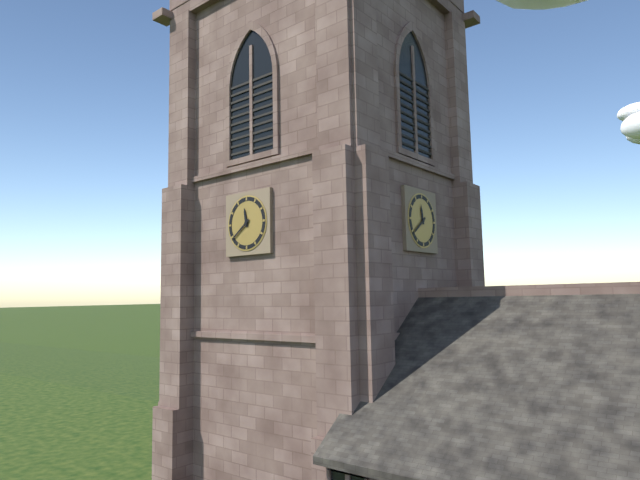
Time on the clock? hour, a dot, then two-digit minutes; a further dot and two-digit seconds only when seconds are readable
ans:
11.39
